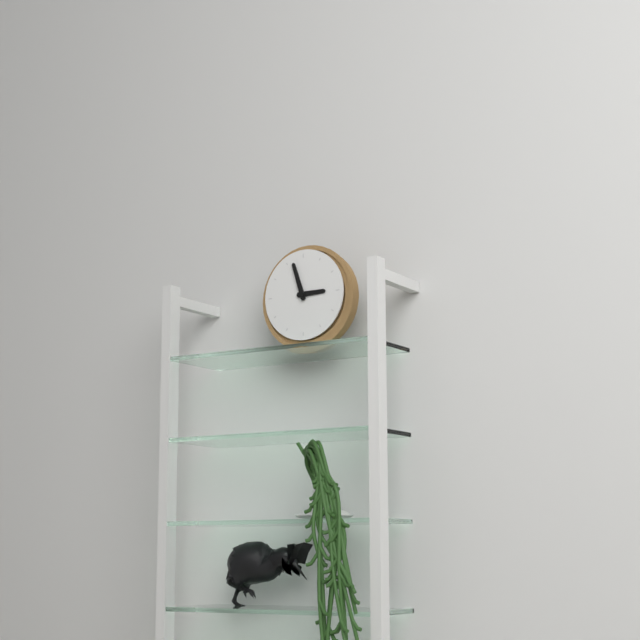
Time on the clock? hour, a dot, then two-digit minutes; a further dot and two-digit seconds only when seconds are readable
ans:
2.57
